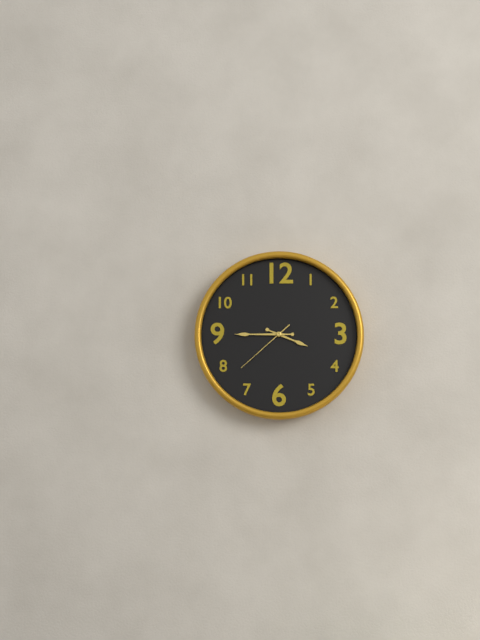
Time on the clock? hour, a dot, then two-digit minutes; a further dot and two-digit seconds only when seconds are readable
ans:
3.45.38
